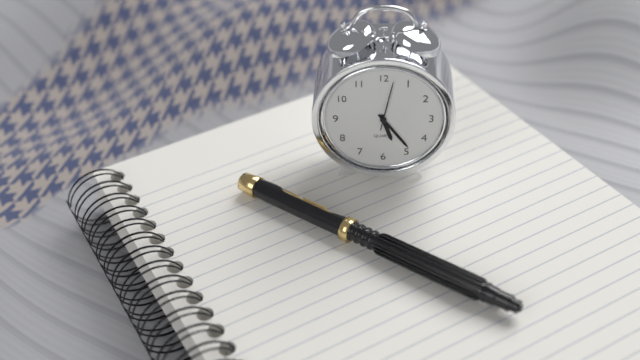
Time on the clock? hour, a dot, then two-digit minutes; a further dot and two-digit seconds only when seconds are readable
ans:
5.24.02
